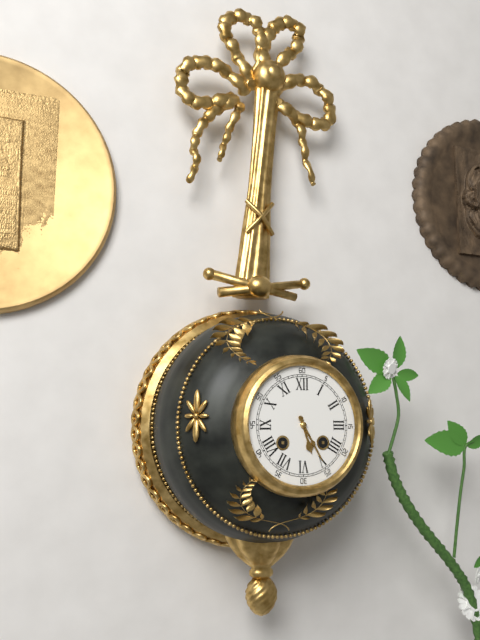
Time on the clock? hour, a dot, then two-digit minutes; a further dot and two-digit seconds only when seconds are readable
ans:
5.25
